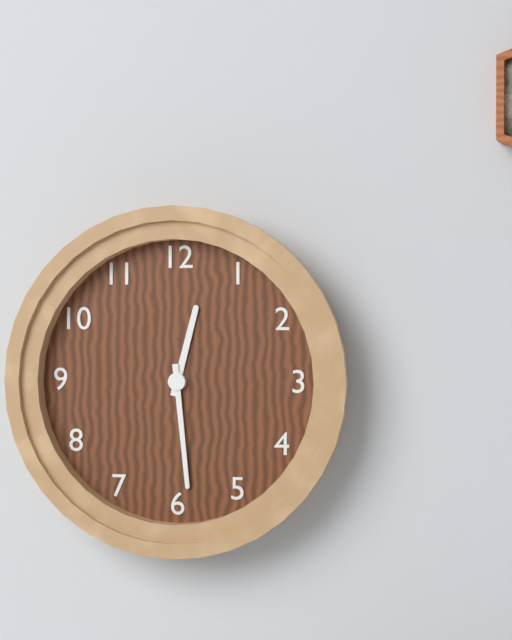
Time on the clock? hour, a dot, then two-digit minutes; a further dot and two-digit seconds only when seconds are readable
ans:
12.29
